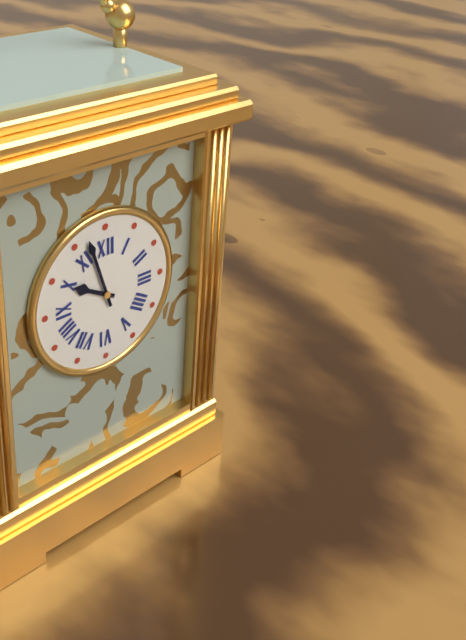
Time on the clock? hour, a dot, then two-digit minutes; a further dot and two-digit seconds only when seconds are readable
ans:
9.57
